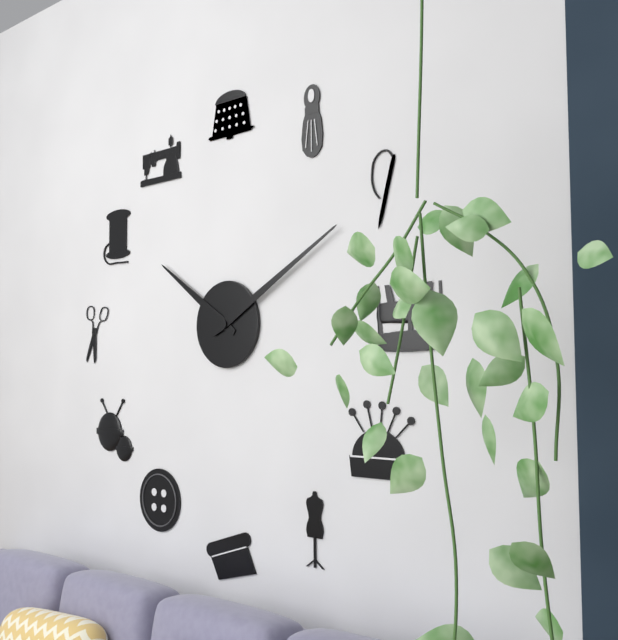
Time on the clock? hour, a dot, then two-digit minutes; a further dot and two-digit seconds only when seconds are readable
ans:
10.10
